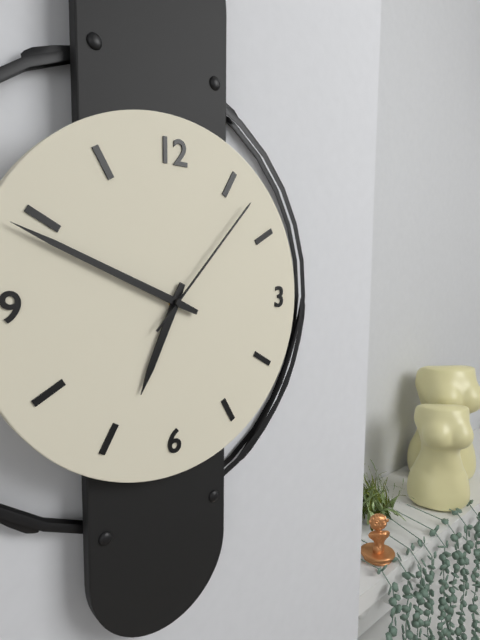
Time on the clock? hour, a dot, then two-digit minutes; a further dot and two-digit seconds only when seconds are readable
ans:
6.49.07
